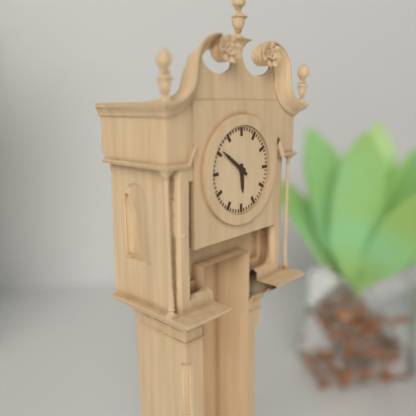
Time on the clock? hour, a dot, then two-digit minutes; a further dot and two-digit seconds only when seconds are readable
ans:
5.51
